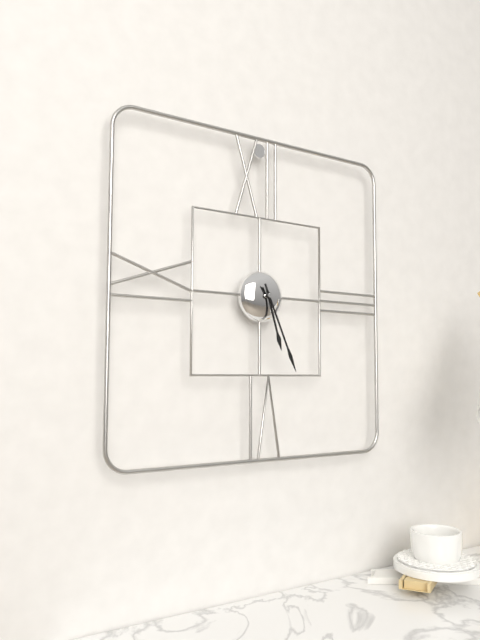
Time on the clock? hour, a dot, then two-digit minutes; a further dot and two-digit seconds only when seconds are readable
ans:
5.26
